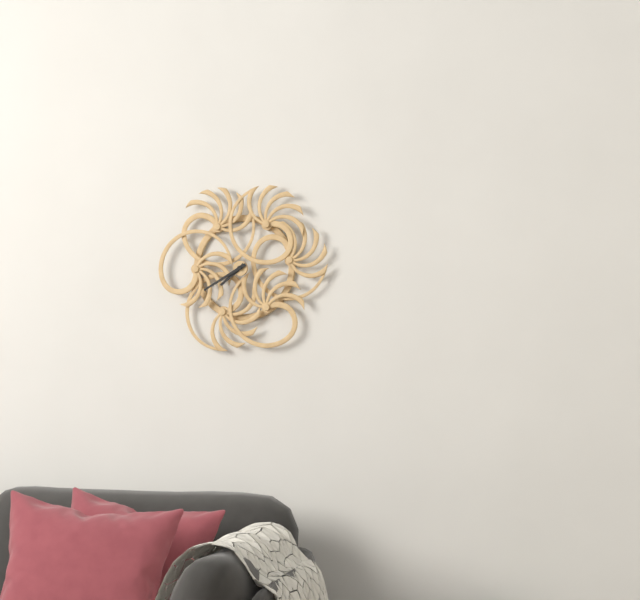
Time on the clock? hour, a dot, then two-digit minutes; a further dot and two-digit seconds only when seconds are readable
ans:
7.40
